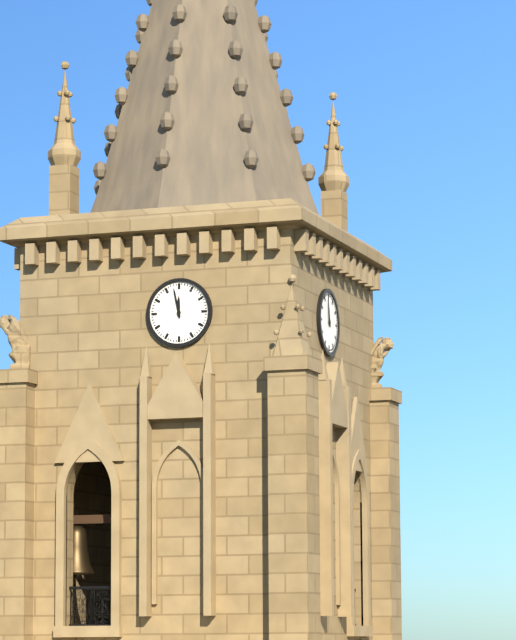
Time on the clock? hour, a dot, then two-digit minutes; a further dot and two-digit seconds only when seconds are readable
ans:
11.58
